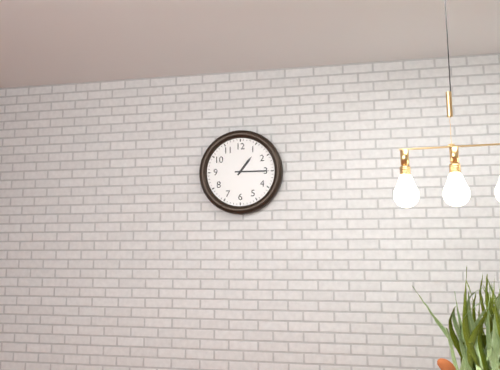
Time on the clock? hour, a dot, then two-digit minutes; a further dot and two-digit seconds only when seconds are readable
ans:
1.15
